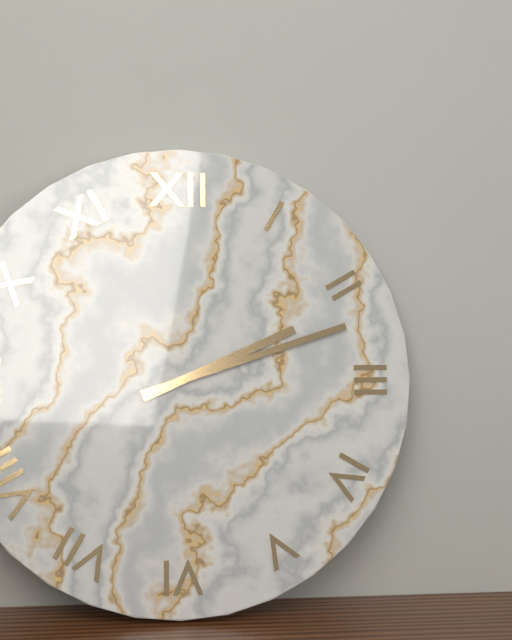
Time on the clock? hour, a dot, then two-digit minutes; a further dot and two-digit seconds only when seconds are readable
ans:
2.12
